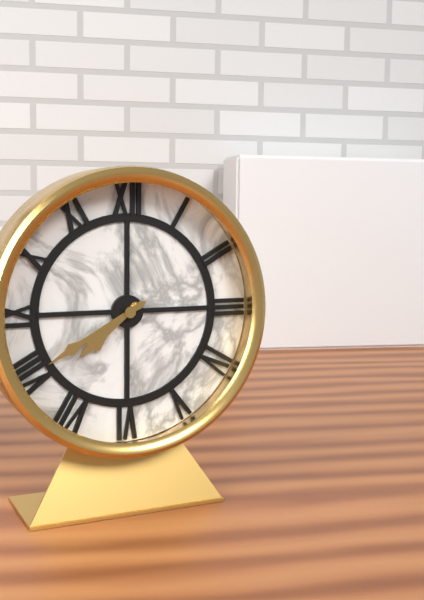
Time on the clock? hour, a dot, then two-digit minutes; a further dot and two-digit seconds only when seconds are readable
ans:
7.40
